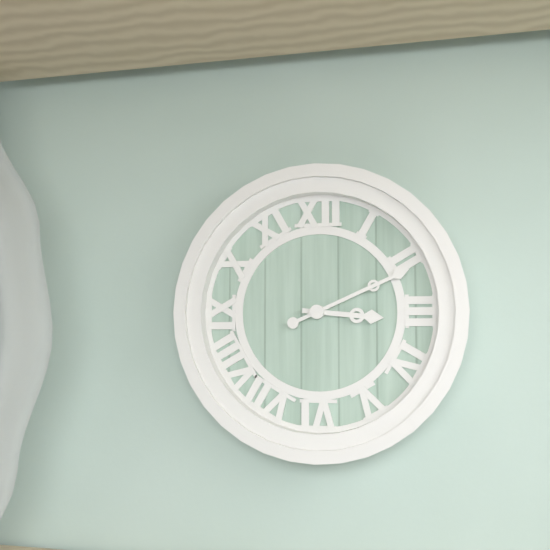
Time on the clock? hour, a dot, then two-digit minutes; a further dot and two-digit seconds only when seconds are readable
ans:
3.11
